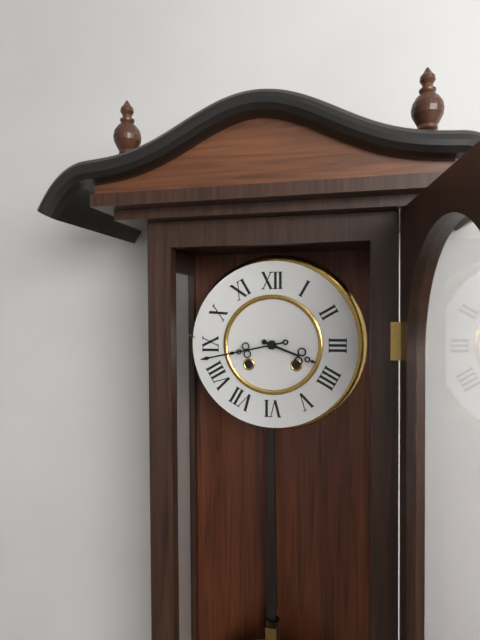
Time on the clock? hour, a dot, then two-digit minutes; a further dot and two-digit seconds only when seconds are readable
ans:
3.43
